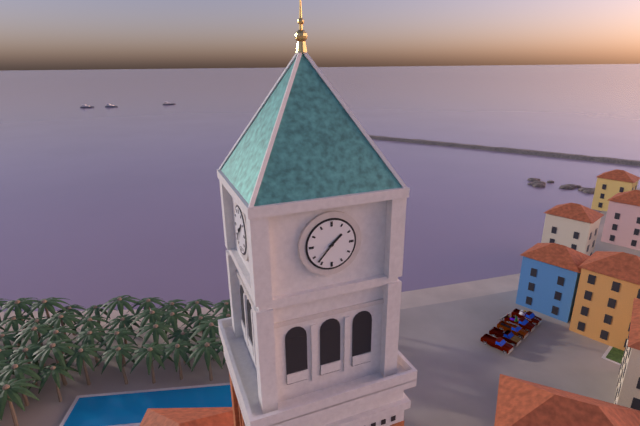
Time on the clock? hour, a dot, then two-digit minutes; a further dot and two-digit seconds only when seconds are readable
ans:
1.37
